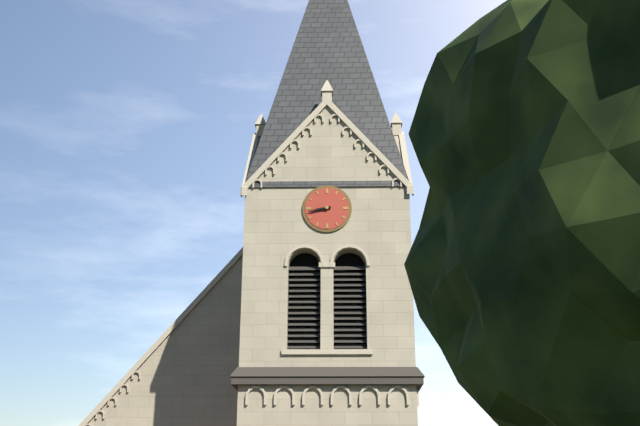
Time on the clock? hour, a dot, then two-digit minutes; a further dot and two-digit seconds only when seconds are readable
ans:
8.43
